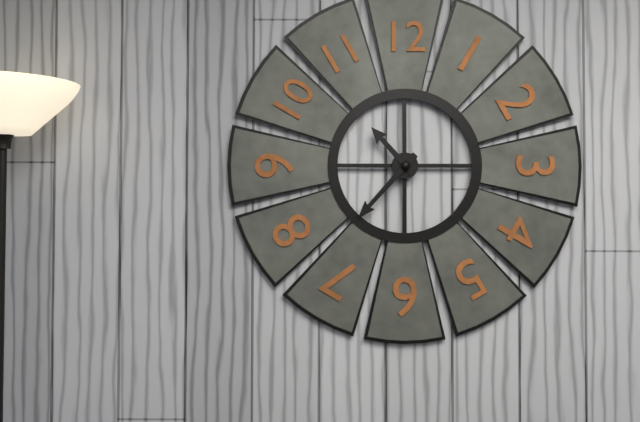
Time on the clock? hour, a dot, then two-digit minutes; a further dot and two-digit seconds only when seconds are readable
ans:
10.37
